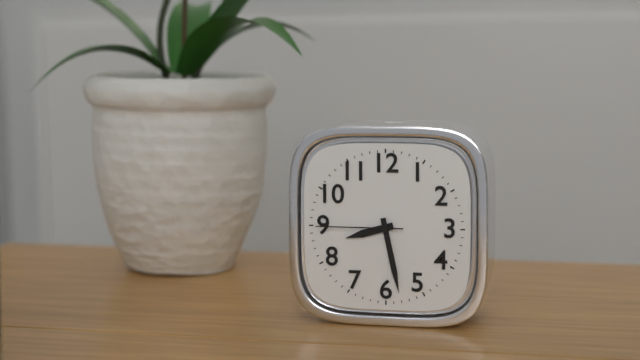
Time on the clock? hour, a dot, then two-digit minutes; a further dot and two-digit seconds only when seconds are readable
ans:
8.28.45
